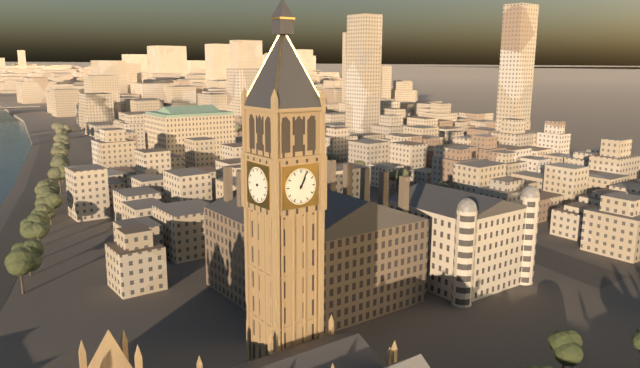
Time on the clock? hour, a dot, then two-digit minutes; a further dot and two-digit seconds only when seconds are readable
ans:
1.04
